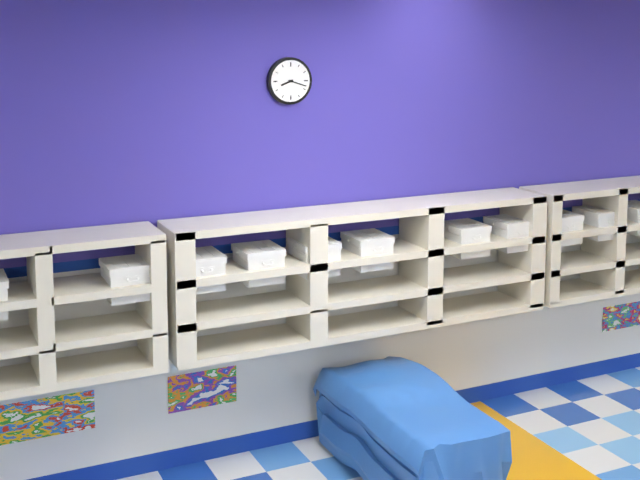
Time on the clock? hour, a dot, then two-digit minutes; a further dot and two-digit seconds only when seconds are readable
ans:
8.18
